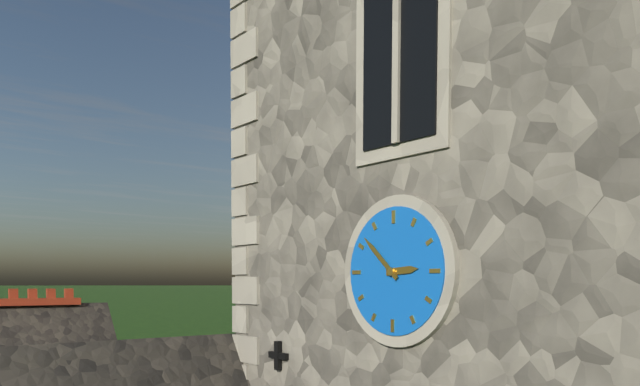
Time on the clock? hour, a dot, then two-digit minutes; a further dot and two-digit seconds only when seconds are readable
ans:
2.52
